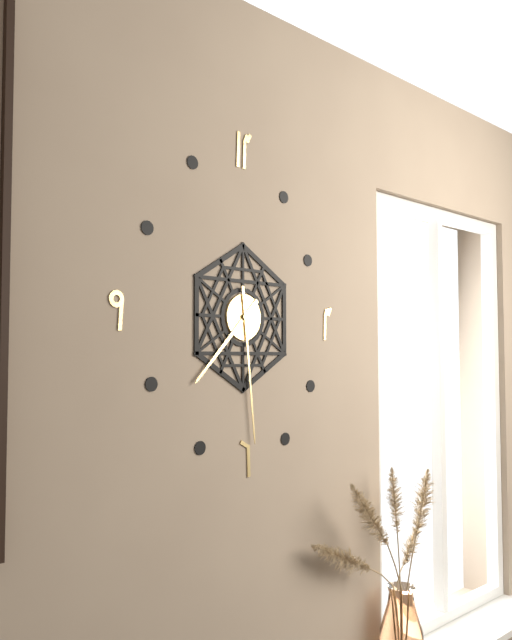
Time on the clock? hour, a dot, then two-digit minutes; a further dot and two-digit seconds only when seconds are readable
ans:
7.29
